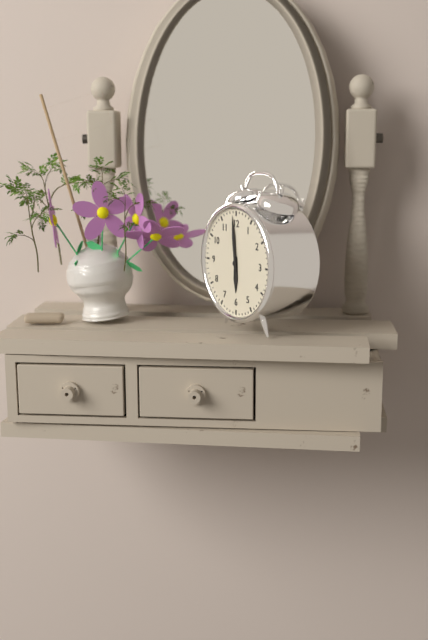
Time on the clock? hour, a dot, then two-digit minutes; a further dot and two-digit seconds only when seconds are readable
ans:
5.59
